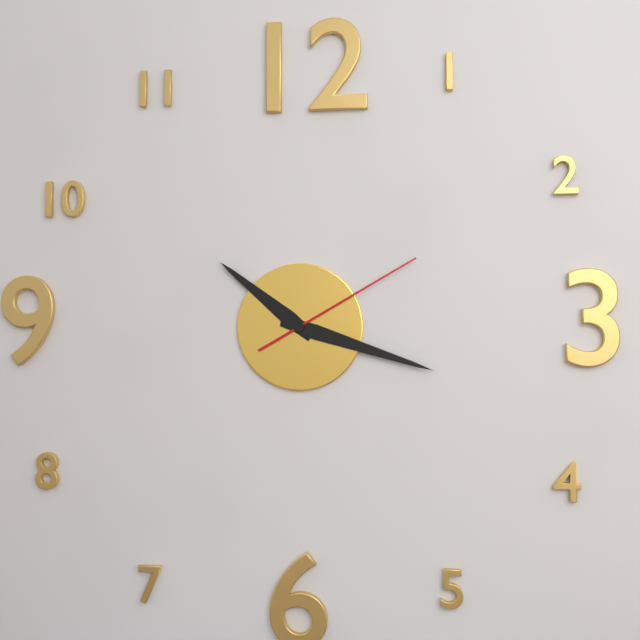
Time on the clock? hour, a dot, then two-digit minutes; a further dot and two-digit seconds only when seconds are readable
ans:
10.18.10
